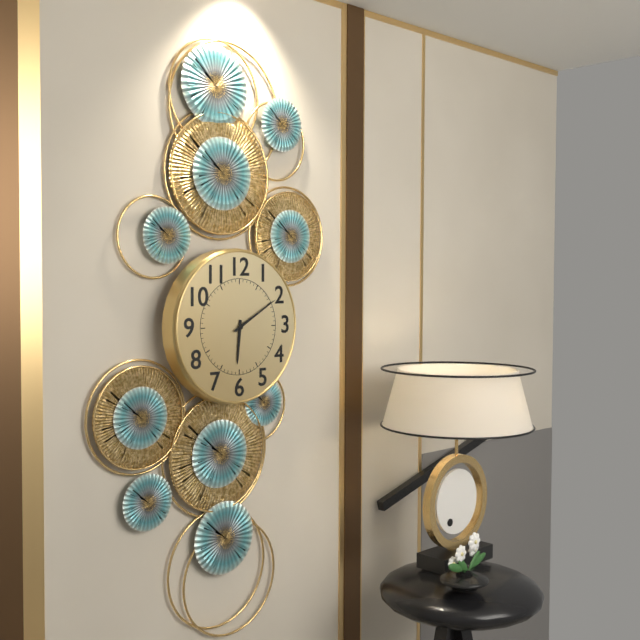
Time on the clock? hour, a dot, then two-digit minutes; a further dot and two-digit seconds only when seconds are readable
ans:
6.10
